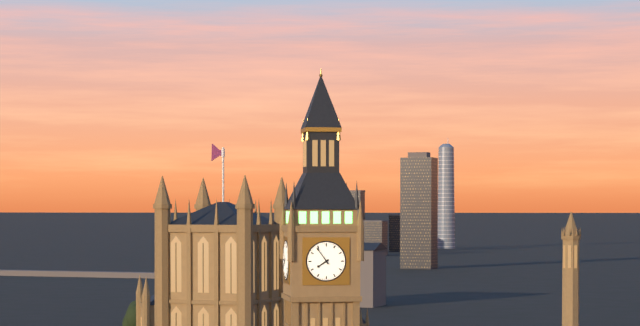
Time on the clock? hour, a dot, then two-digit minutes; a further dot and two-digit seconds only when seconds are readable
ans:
7.54
